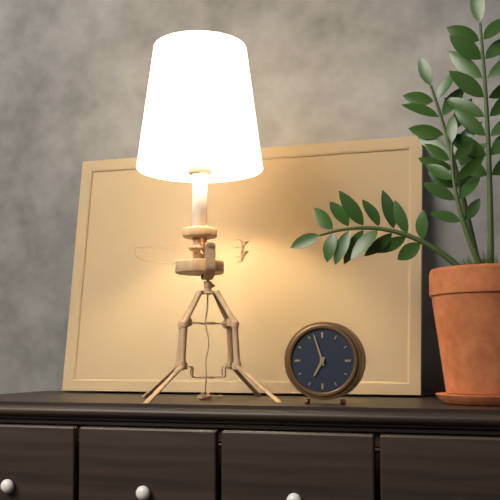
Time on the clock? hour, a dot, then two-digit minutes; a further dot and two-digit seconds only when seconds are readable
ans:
6.57
